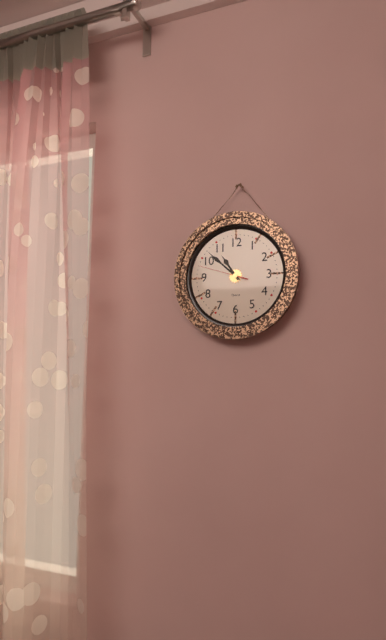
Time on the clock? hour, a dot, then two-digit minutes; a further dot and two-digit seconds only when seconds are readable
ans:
10.52
